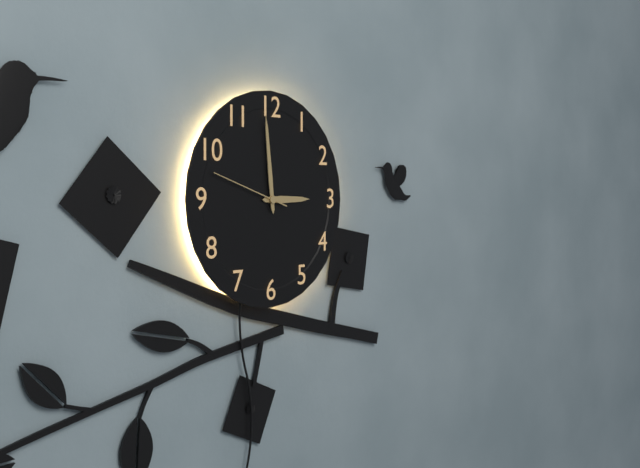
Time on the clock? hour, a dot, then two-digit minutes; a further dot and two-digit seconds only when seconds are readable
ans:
2.59.48
